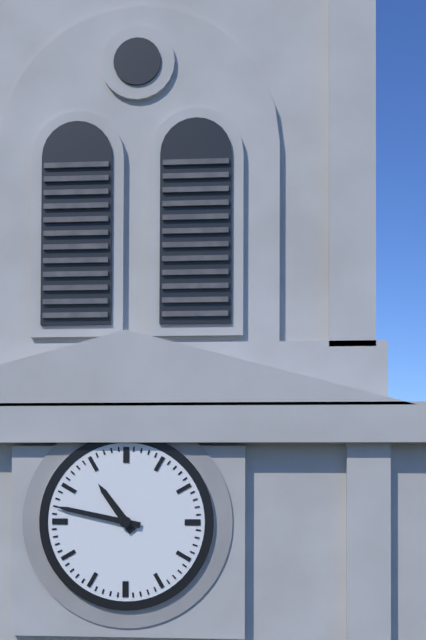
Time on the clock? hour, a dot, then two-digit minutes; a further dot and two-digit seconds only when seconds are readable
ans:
10.47
